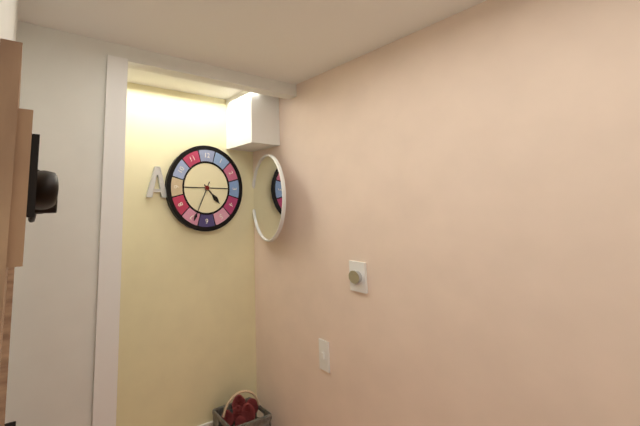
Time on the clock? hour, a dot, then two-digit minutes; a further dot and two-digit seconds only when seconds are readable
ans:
4.34
